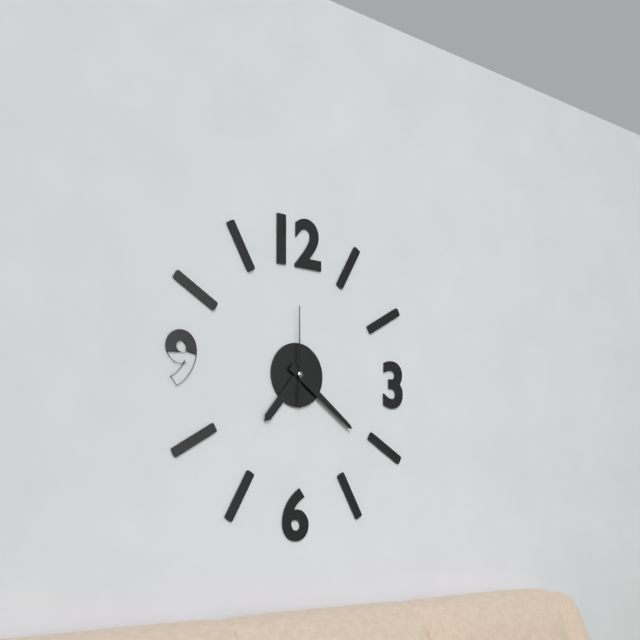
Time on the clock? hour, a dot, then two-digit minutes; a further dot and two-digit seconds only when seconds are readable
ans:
7.21.00
